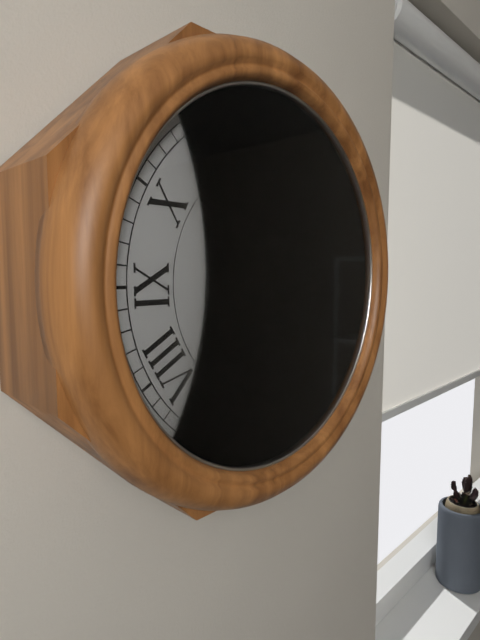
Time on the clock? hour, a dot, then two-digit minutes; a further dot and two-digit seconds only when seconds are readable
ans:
4.02
